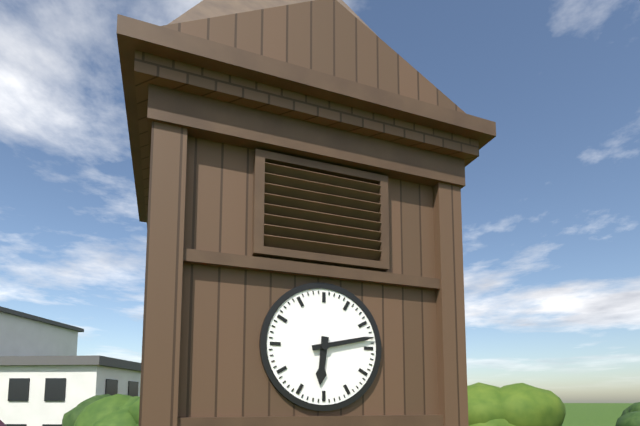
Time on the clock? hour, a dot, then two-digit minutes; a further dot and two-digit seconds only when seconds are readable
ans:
6.13
